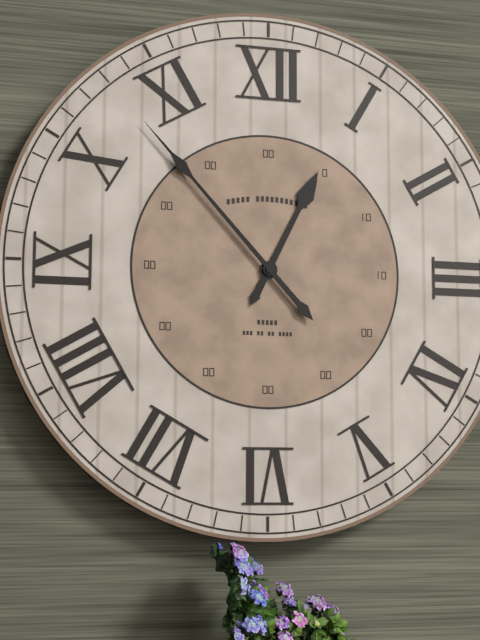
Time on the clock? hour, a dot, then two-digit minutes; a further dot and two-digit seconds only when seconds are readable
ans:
12.53
